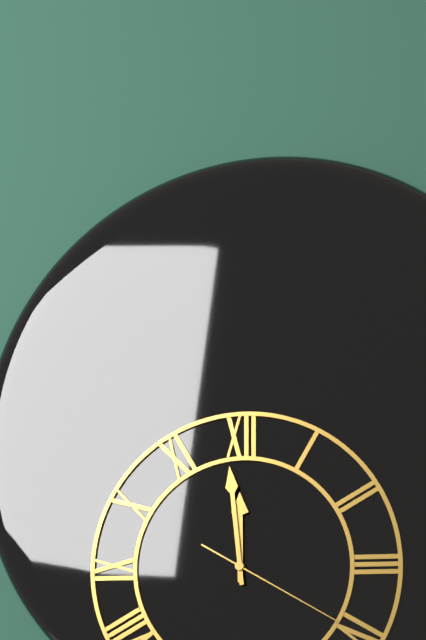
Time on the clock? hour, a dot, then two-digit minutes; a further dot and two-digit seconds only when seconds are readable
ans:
11.59.20
